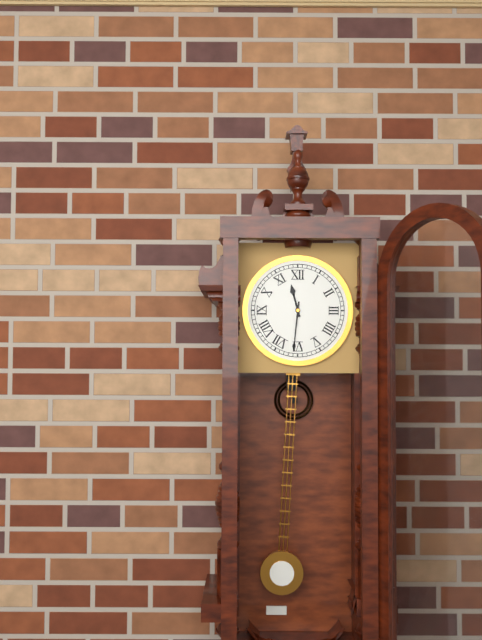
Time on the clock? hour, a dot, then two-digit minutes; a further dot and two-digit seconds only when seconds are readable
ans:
11.31
